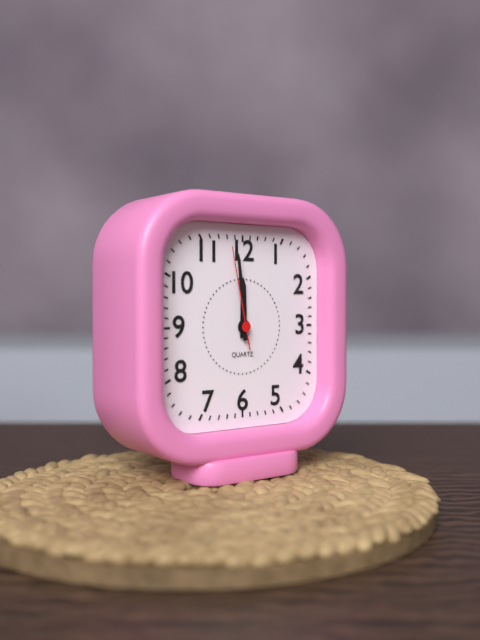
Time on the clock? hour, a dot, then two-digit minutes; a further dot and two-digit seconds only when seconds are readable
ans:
11.59.58
